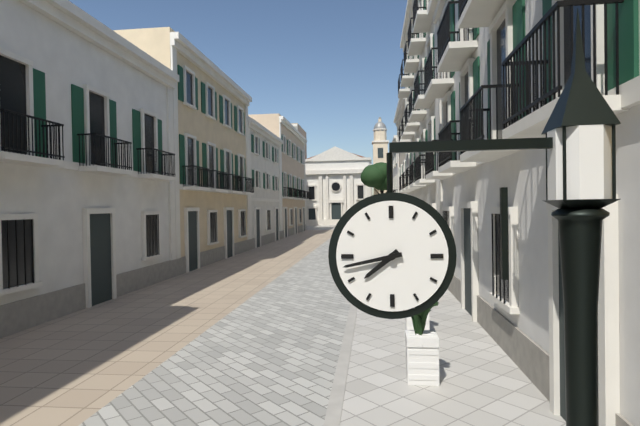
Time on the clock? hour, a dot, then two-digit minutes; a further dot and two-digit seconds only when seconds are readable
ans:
7.43
